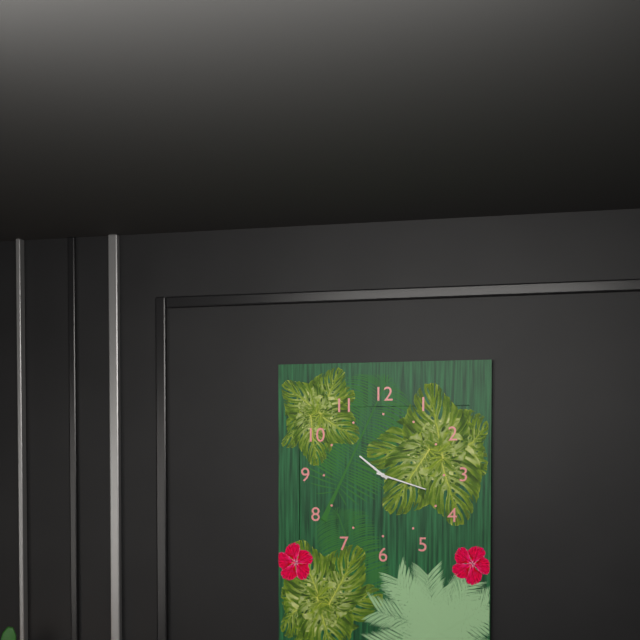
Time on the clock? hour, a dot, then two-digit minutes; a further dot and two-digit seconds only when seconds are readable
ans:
10.18
